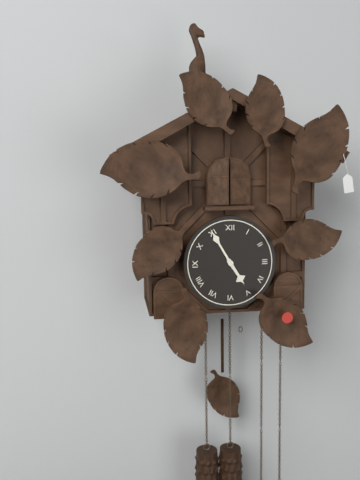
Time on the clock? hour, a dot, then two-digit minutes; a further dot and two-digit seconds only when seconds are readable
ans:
4.55
